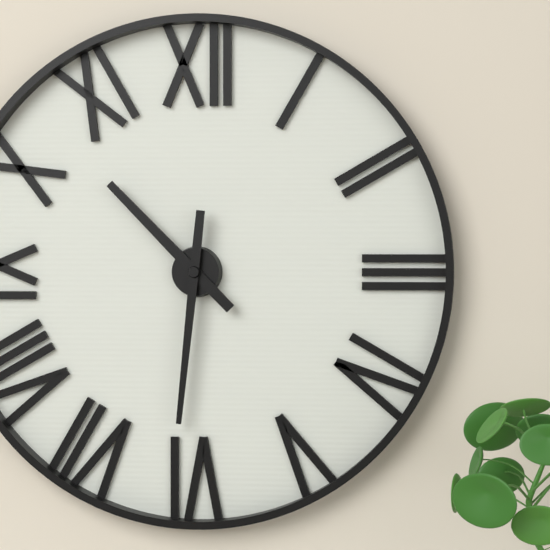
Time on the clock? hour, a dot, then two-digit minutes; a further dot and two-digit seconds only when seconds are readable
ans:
10.31
